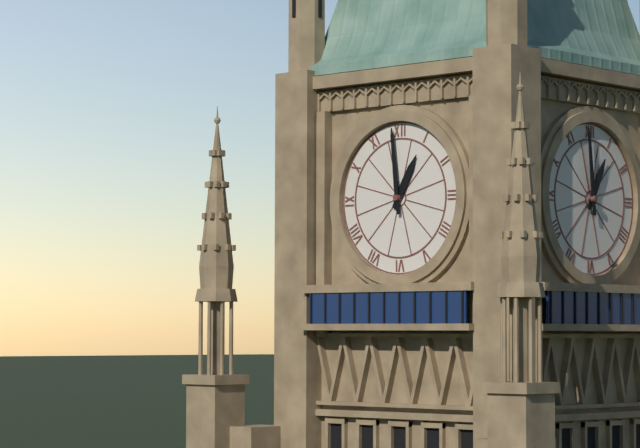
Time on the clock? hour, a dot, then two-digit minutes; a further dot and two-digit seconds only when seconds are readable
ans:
12.59
